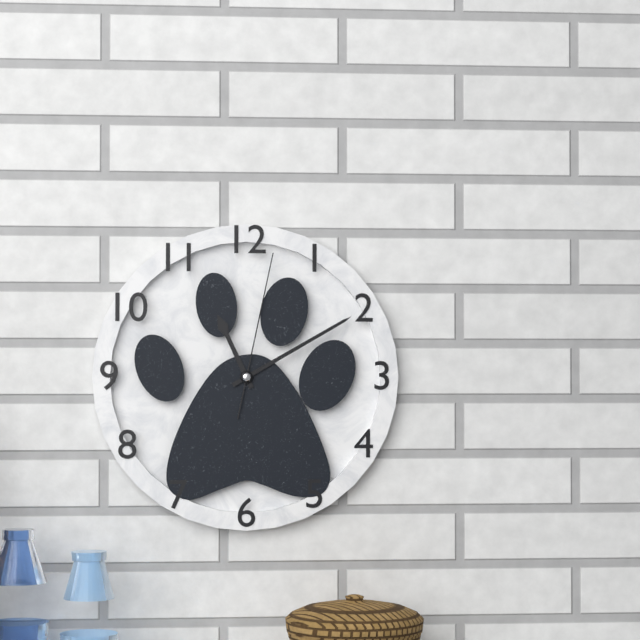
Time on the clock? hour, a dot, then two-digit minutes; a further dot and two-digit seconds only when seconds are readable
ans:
11.10.02
